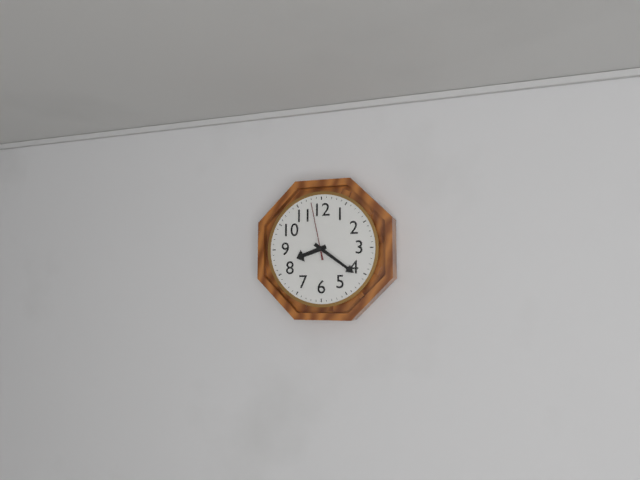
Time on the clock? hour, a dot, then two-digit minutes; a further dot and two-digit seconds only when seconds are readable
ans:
8.21.58
